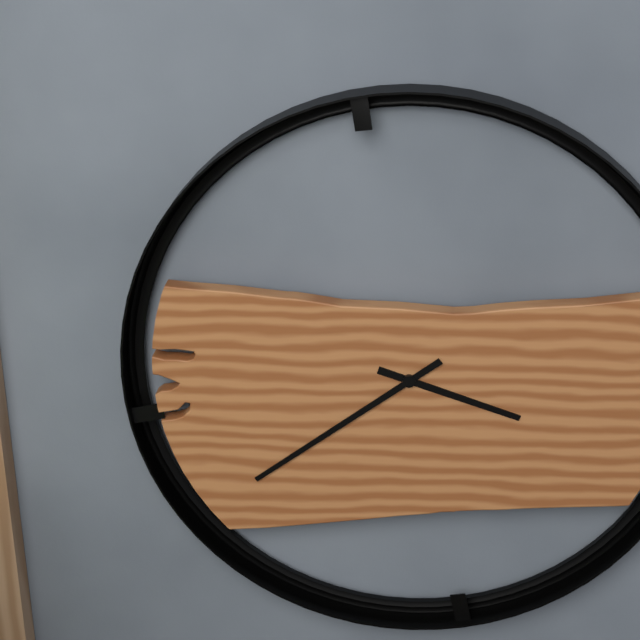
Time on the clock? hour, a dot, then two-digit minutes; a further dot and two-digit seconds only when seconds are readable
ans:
3.39
